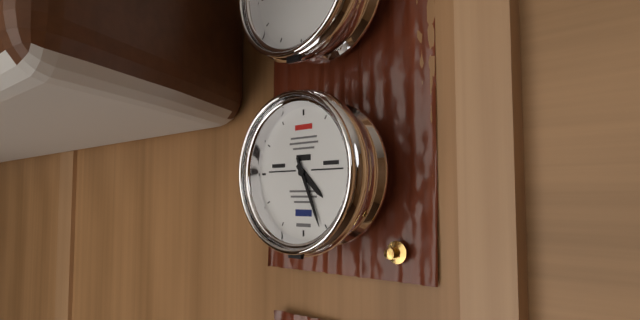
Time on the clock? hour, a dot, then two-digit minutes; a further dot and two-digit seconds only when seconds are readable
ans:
4.26
